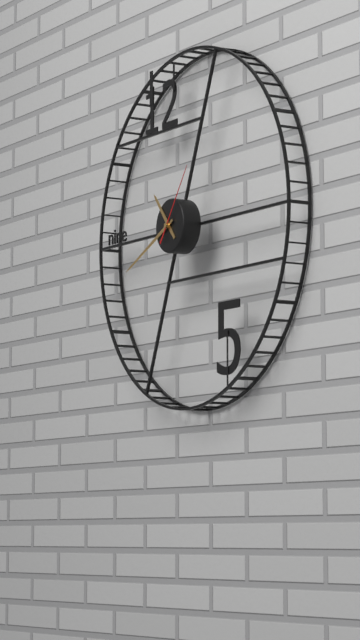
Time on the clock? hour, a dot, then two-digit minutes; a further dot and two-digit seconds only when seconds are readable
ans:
10.41.06
